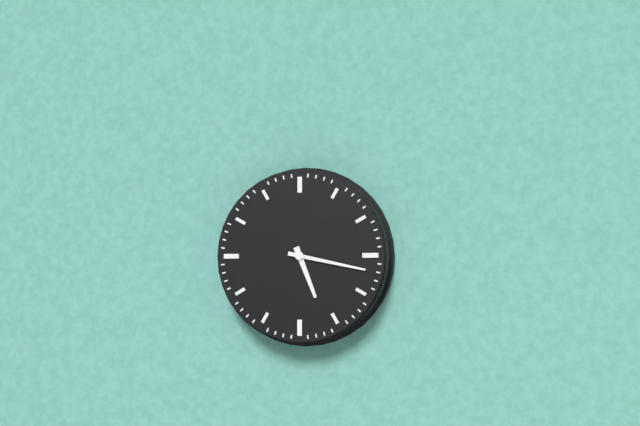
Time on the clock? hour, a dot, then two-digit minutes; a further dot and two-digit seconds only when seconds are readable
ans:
5.17
